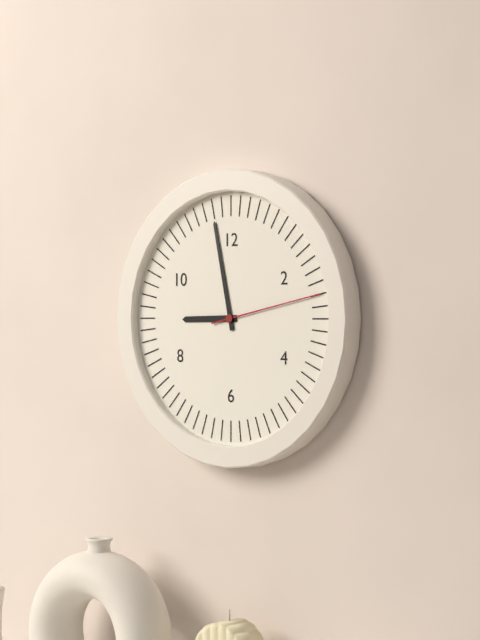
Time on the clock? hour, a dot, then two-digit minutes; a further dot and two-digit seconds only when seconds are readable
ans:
8.58.13
